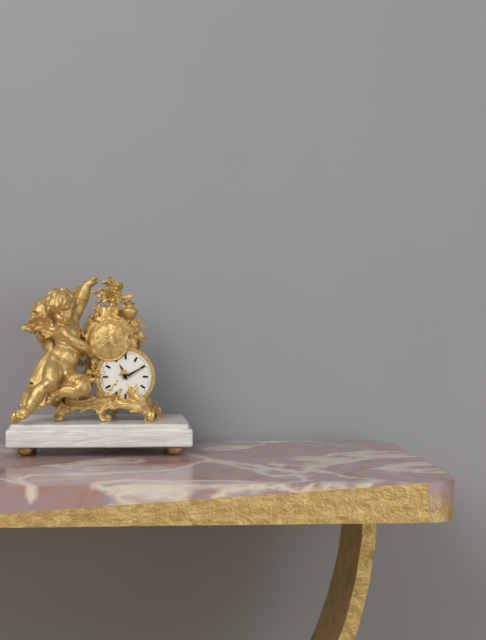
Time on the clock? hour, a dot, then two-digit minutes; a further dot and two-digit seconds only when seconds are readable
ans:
11.10
